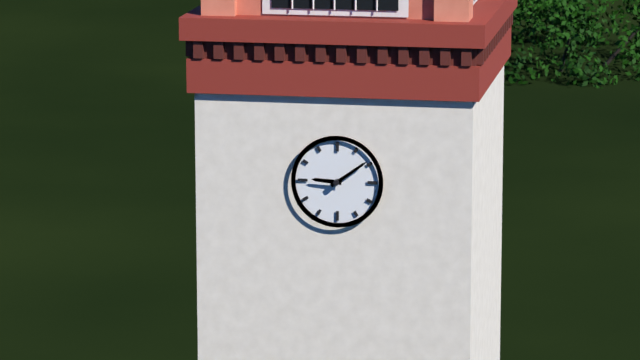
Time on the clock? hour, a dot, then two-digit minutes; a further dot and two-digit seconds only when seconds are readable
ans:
9.09
